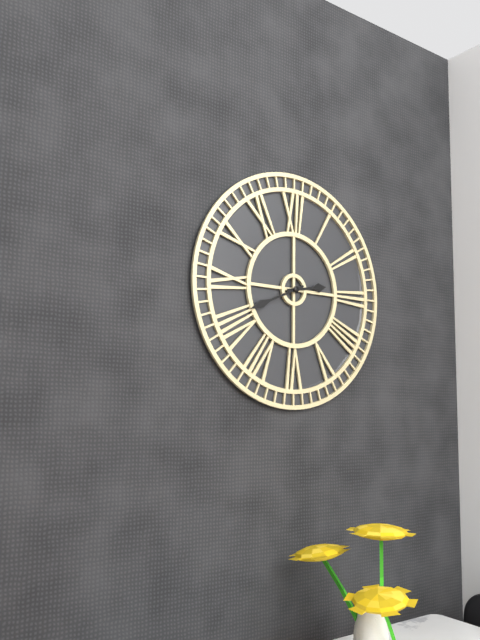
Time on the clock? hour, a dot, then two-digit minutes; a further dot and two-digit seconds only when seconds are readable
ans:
2.41
